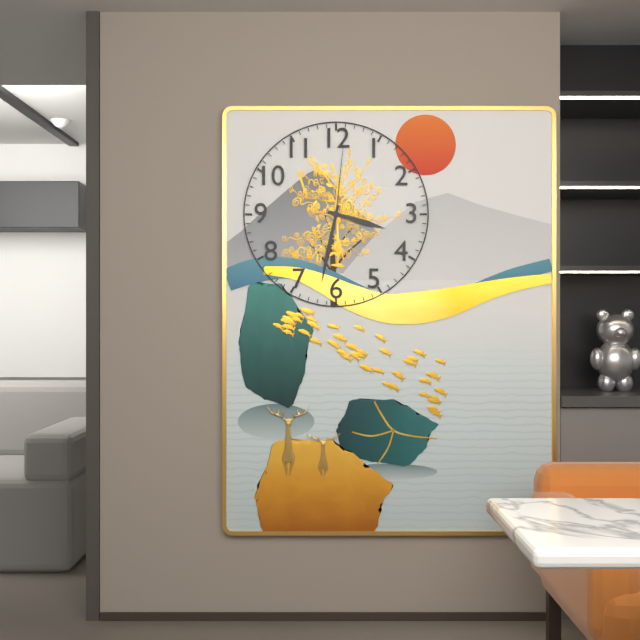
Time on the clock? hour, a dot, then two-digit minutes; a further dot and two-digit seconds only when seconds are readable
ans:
3.32.01
